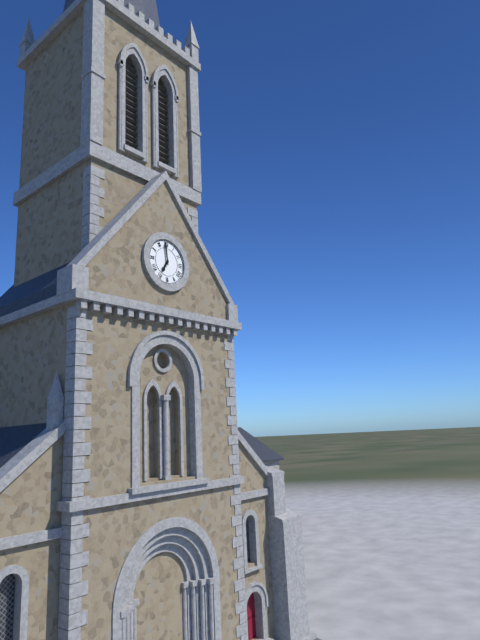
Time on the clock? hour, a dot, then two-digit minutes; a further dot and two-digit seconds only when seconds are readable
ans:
6.59
